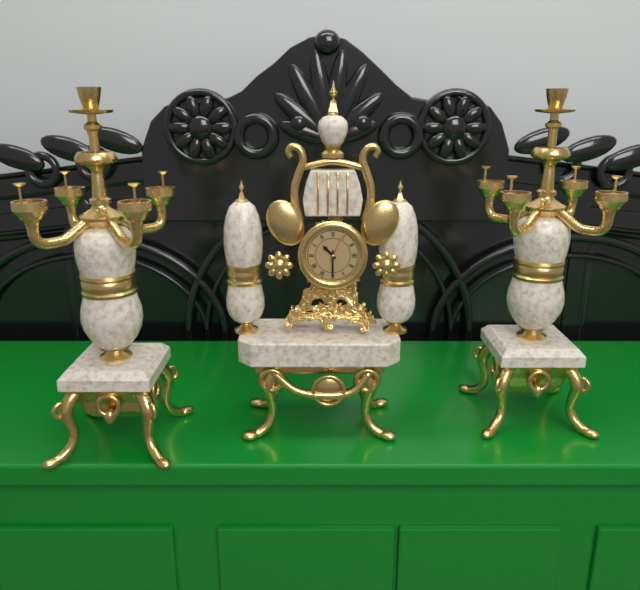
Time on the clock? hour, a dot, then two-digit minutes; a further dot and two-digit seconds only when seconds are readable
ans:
10.30
